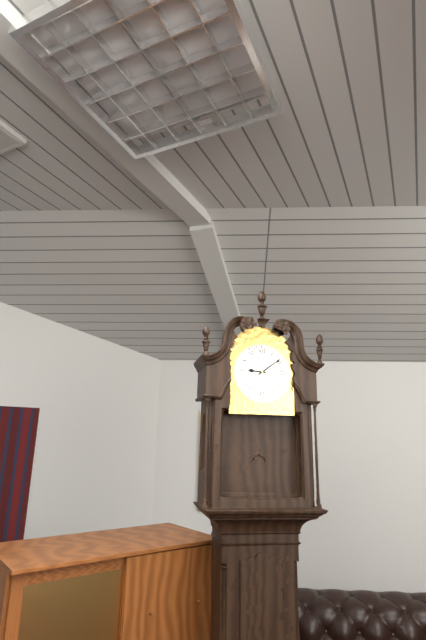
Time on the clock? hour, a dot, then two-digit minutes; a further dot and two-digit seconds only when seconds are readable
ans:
9.09
